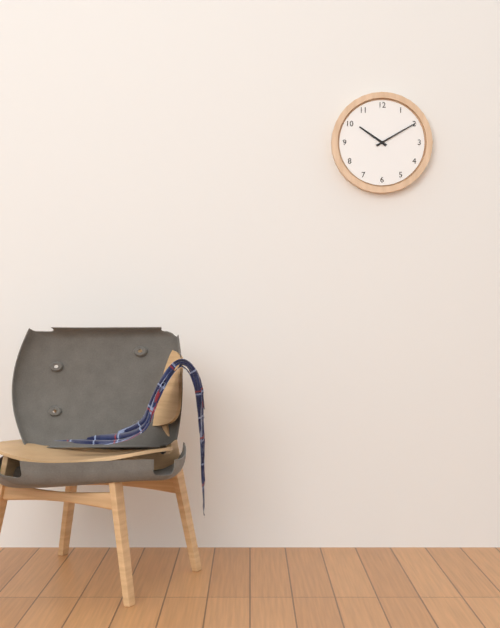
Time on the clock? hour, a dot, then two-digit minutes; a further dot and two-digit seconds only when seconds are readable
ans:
10.10
